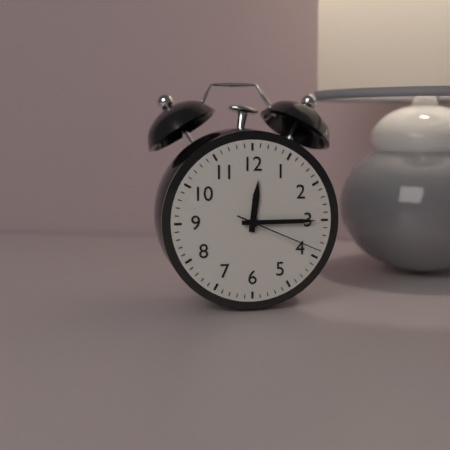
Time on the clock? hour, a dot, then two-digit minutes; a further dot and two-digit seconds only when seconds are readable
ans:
12.15.19
